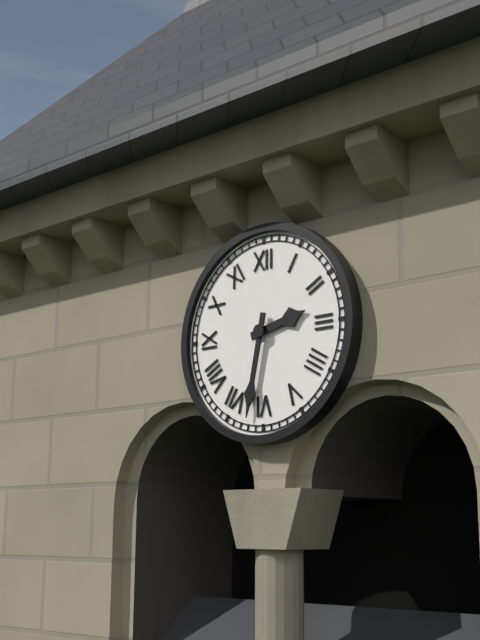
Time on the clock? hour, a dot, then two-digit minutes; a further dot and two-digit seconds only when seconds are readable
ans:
2.32
